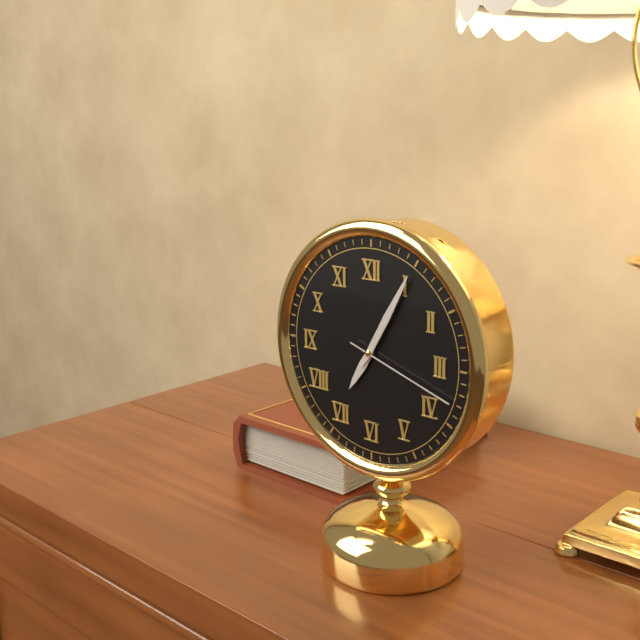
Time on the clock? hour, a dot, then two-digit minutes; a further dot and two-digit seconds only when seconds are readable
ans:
7.05.18
